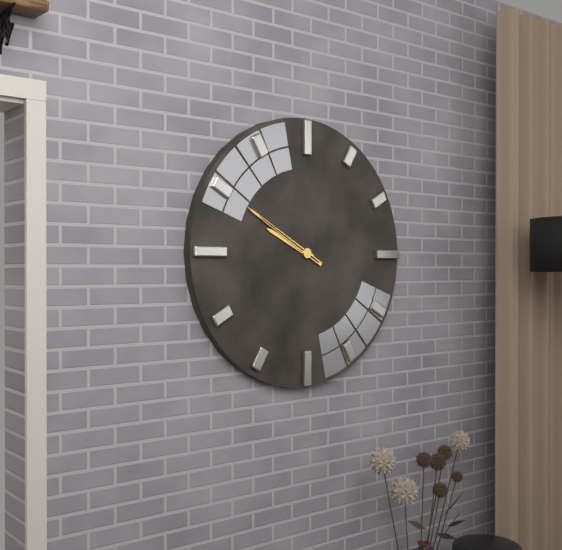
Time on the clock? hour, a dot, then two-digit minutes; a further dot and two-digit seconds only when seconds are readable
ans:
9.50.50
